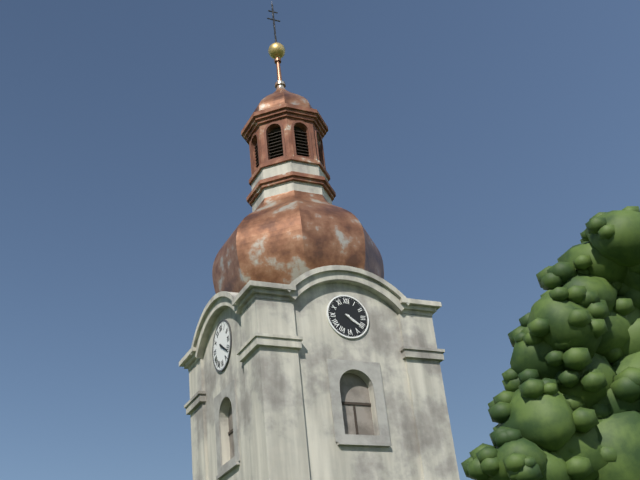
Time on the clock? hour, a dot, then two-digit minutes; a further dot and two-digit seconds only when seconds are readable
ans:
4.21
